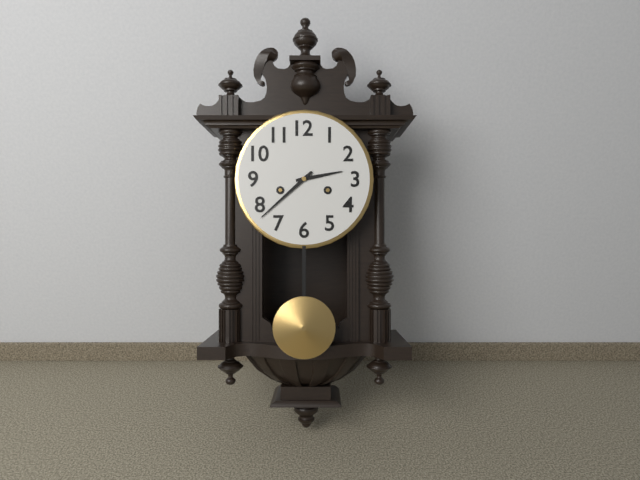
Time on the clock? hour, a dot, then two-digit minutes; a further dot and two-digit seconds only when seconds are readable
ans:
2.38
